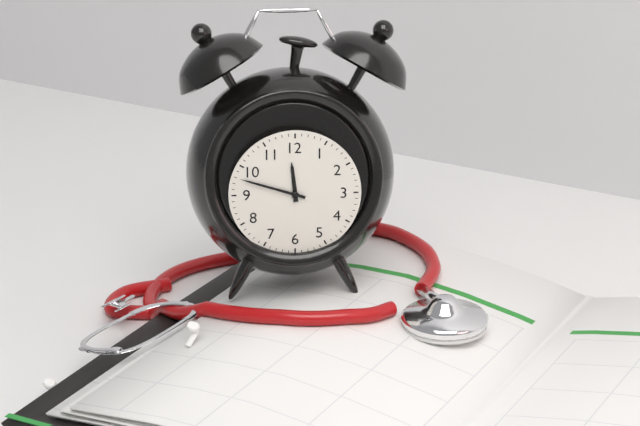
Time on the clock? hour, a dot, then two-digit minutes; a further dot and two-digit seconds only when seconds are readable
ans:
11.48
